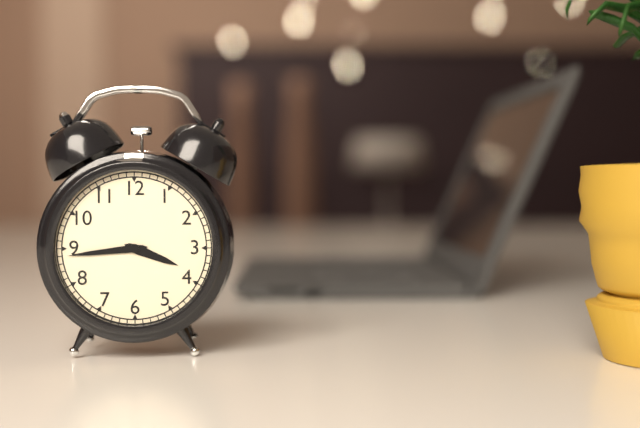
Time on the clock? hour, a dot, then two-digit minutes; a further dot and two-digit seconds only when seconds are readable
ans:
3.44
